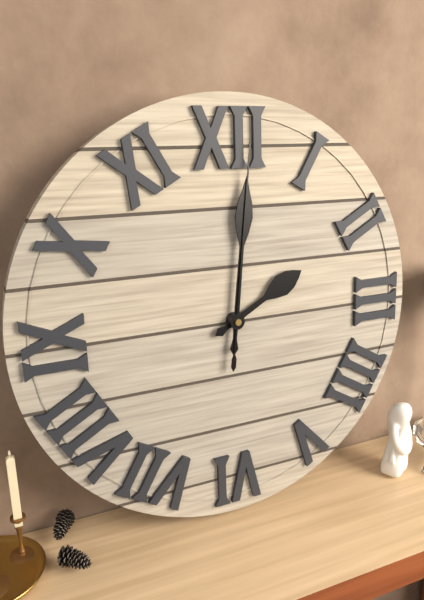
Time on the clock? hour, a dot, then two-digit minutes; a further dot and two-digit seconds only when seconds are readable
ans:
2.01.01
